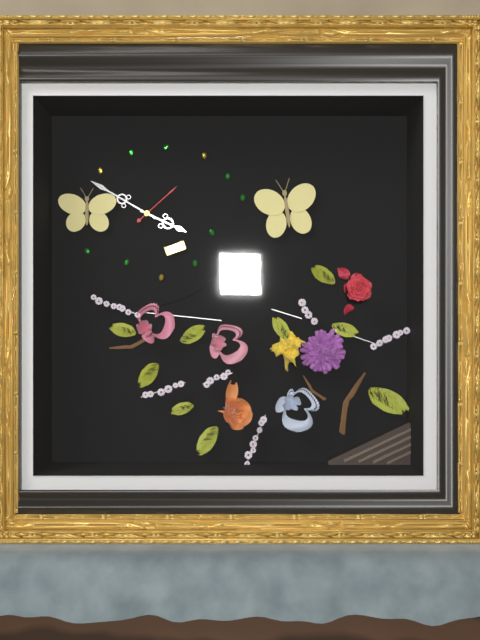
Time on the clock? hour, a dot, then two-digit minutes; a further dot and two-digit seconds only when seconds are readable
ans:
3.50.08
